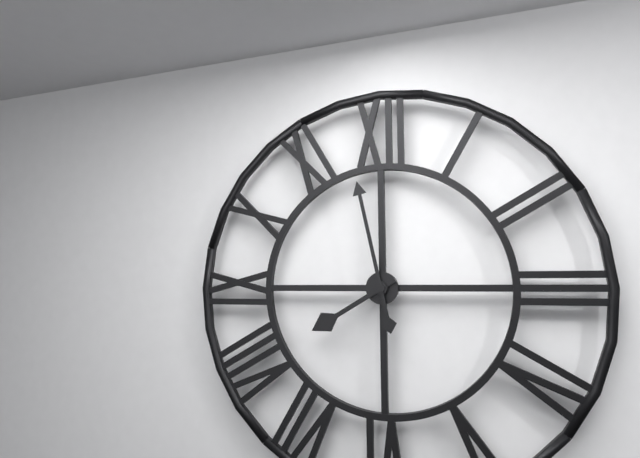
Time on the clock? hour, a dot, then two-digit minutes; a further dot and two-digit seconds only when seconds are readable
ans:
7.58
